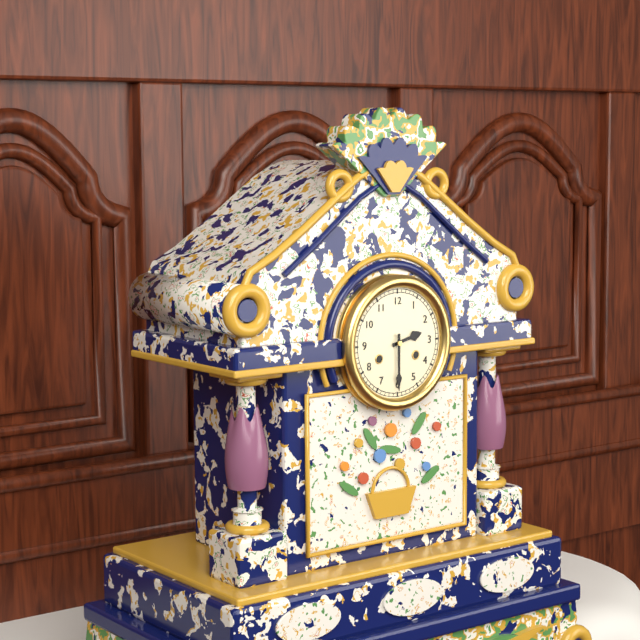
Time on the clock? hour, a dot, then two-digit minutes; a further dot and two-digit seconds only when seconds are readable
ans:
2.30
